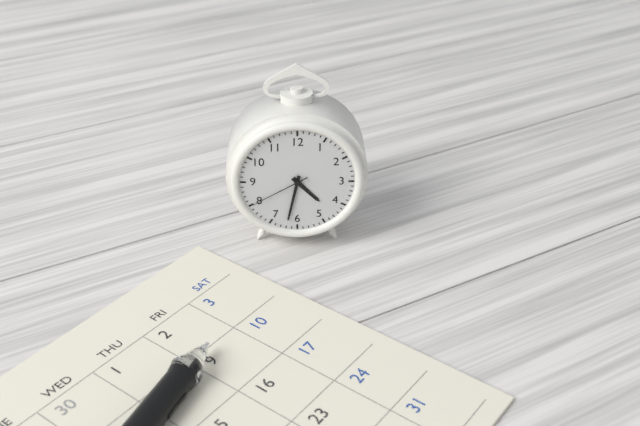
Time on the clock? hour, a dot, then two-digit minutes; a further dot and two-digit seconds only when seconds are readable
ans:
4.32.40
